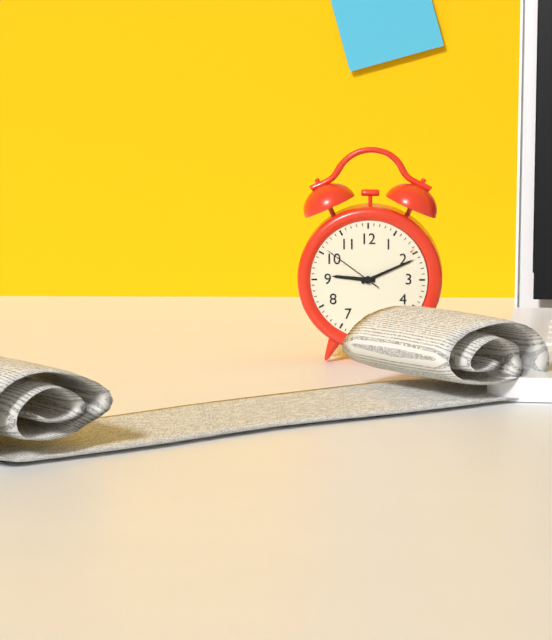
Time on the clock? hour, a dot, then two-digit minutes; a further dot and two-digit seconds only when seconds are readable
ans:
9.11.51
